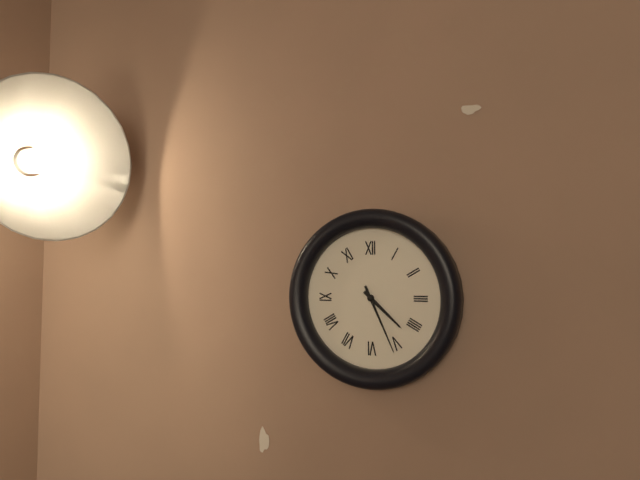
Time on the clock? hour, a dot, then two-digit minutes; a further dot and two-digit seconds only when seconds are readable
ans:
4.26
